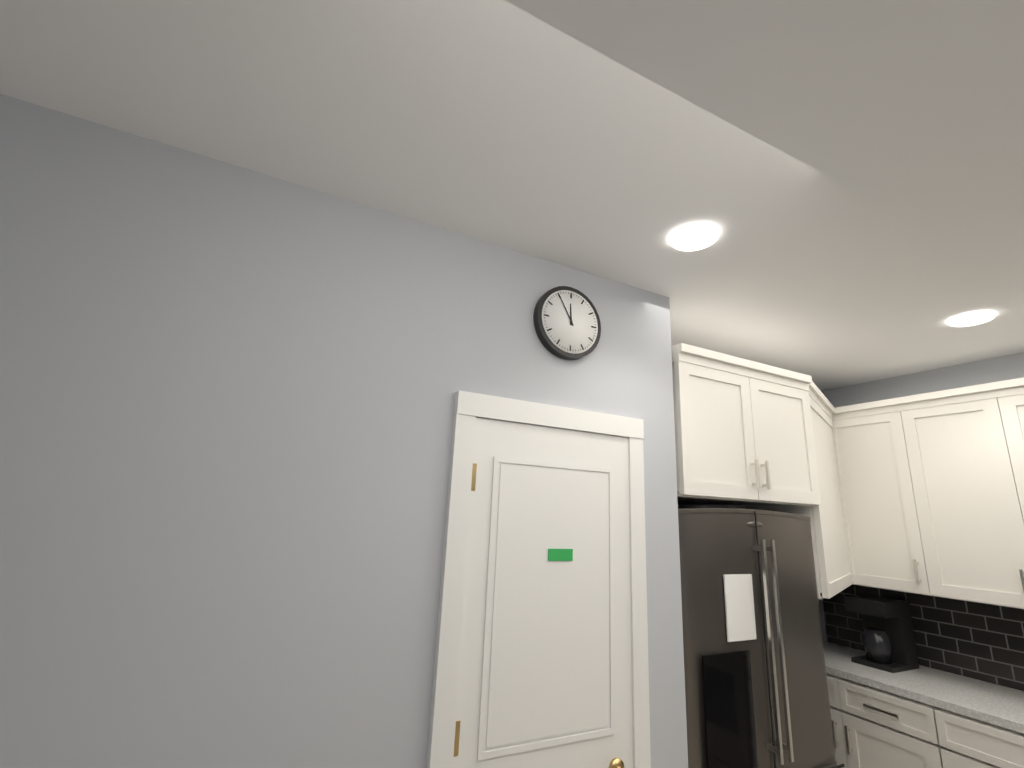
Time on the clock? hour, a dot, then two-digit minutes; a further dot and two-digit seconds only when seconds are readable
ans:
11.55
